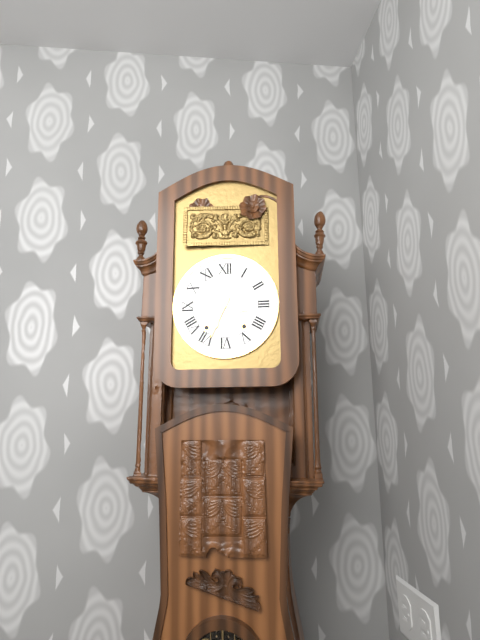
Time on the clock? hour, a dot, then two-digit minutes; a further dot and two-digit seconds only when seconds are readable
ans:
3.34
